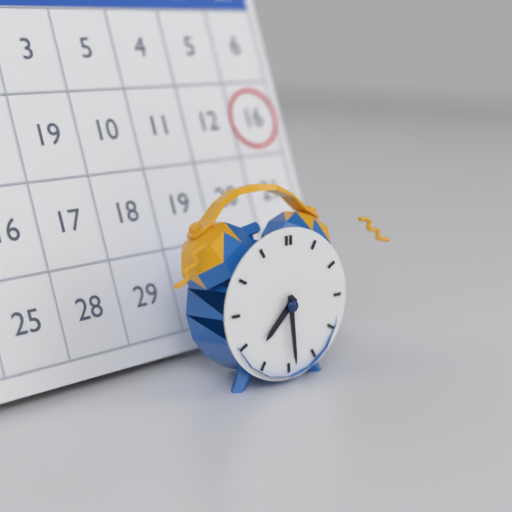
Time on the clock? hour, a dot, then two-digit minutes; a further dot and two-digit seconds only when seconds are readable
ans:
7.29
